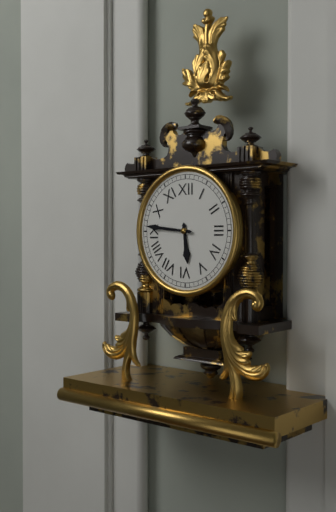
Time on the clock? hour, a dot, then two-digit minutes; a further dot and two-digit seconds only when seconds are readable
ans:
5.46
